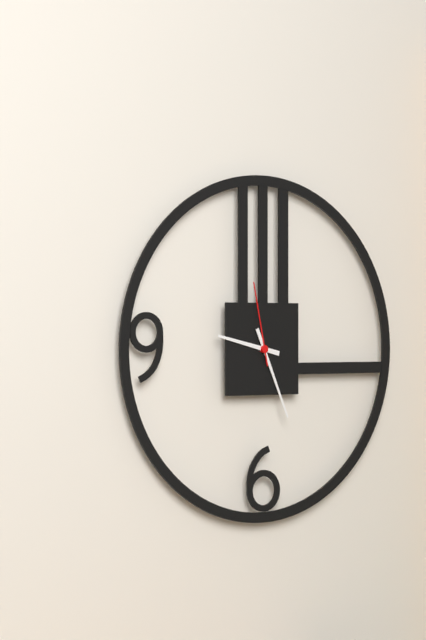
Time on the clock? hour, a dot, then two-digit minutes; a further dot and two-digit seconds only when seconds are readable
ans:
9.26.58
